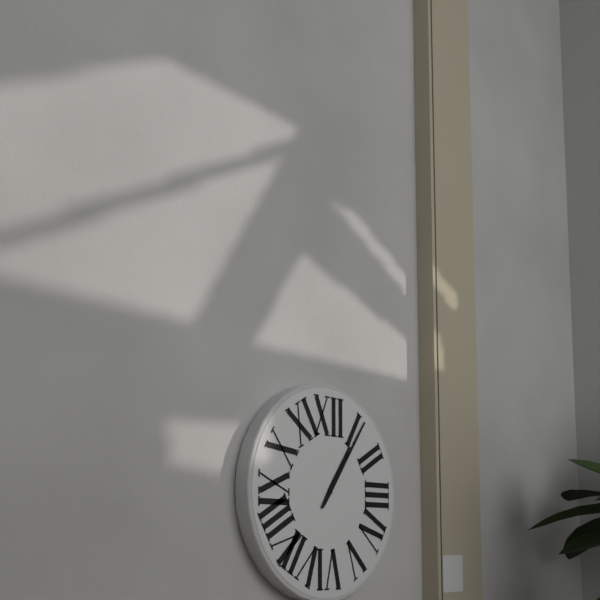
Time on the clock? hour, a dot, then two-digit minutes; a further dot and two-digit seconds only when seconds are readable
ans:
1.06
